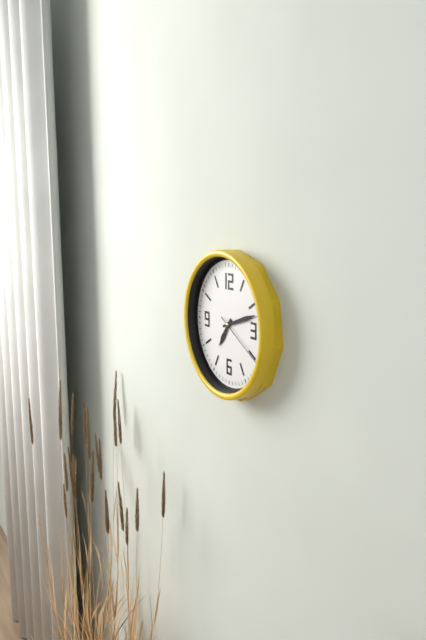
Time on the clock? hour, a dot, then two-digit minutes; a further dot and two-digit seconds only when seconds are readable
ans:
7.12.20
